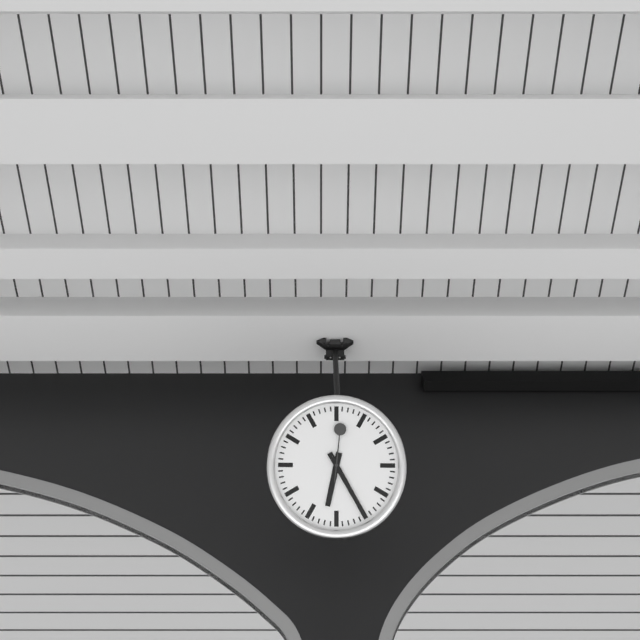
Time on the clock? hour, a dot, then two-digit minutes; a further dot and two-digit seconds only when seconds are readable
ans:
6.25.01
